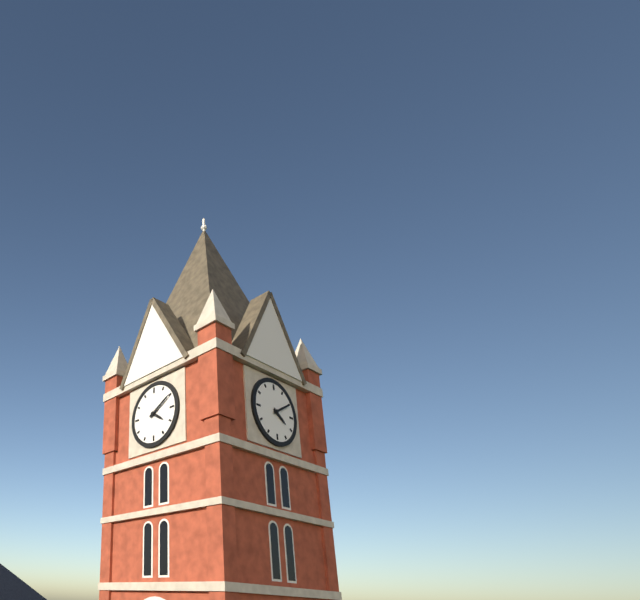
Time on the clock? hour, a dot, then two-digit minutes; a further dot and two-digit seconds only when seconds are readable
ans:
4.10
